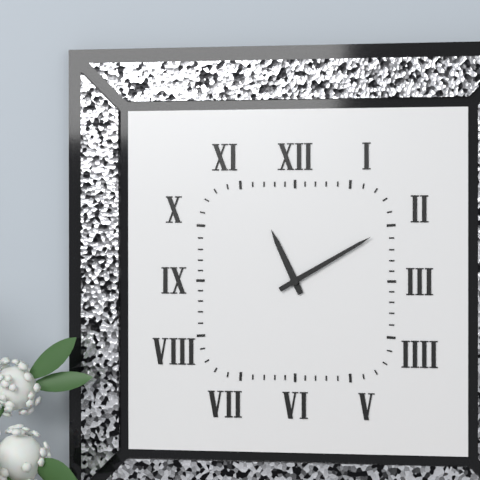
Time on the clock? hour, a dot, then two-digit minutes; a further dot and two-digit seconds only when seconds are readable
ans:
11.10
